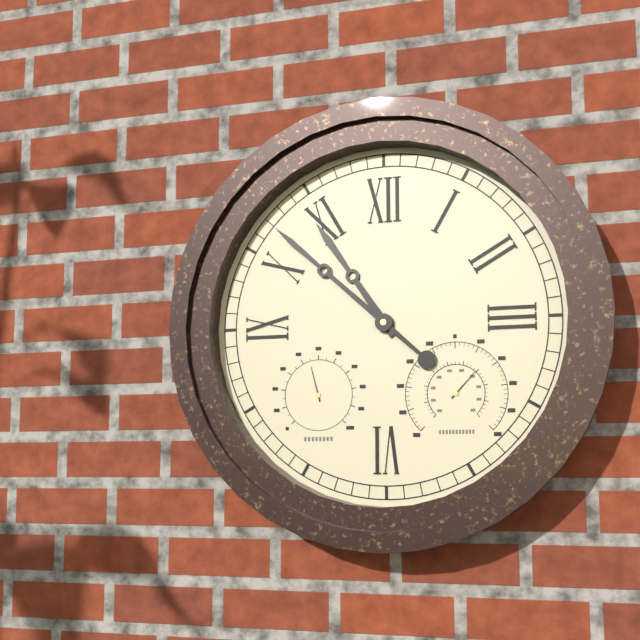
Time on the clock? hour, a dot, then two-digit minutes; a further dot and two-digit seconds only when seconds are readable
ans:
10.52
